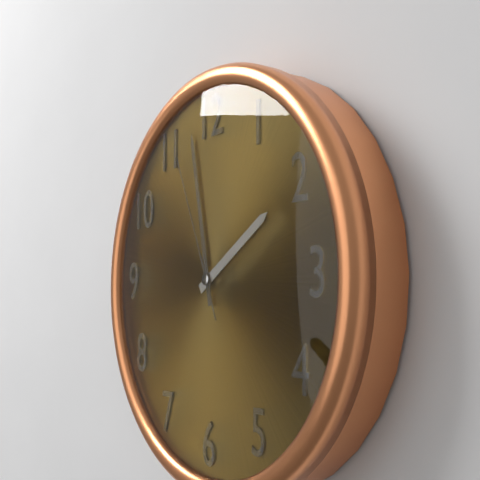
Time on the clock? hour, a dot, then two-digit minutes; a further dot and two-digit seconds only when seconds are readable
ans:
1.58.56
